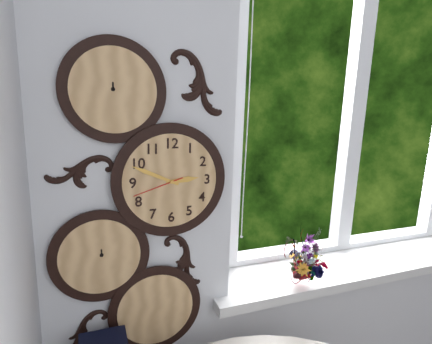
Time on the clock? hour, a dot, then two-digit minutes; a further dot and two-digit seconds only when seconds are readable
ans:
2.49.42
